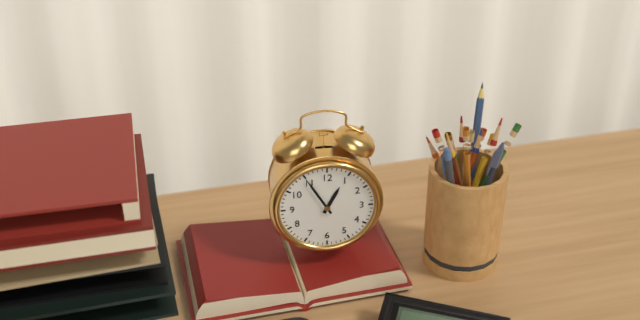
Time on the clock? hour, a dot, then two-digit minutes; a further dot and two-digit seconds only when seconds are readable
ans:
12.55
